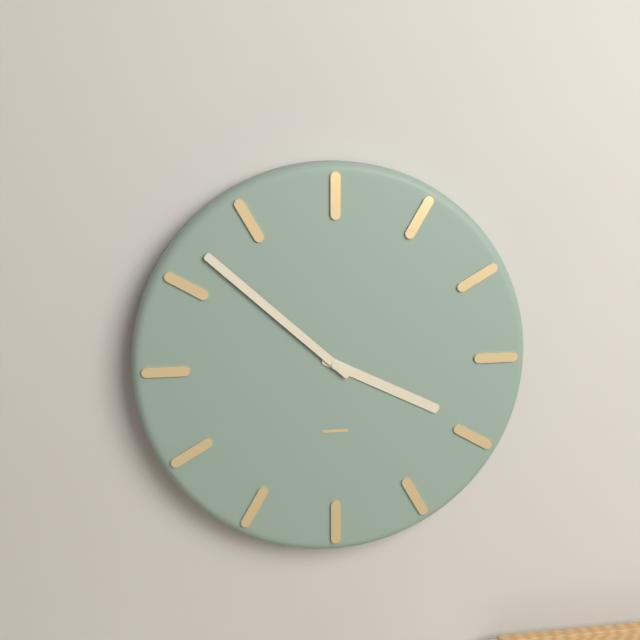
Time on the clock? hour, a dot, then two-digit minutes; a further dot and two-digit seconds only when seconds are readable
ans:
3.52
